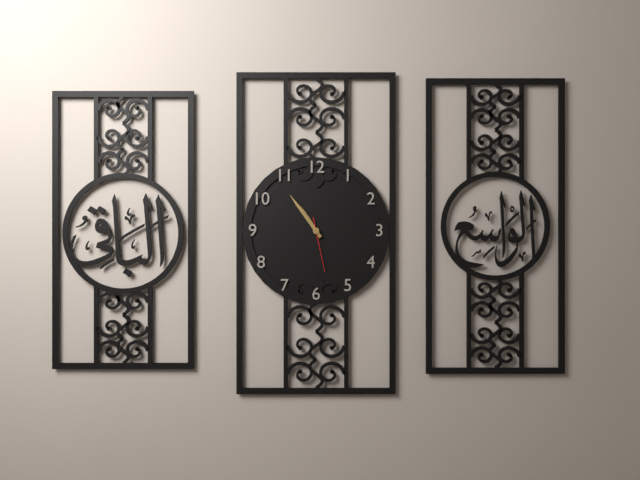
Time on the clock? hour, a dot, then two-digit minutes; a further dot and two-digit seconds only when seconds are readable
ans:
10.54.28
